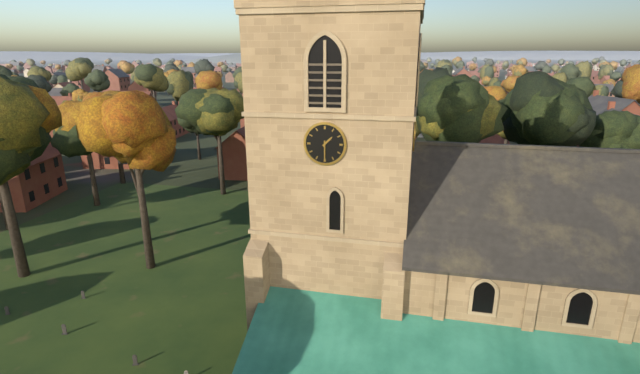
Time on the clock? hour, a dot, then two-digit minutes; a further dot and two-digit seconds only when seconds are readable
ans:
1.30
